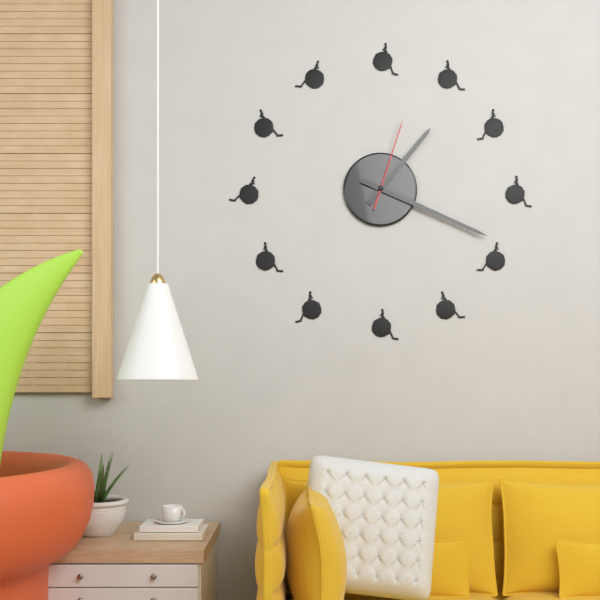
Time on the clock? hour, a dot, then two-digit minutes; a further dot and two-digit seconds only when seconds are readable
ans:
1.19.03
